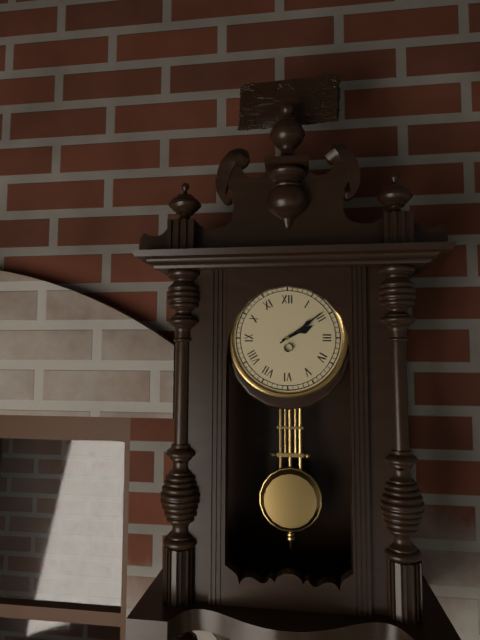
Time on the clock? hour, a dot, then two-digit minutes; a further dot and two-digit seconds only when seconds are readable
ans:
2.09
